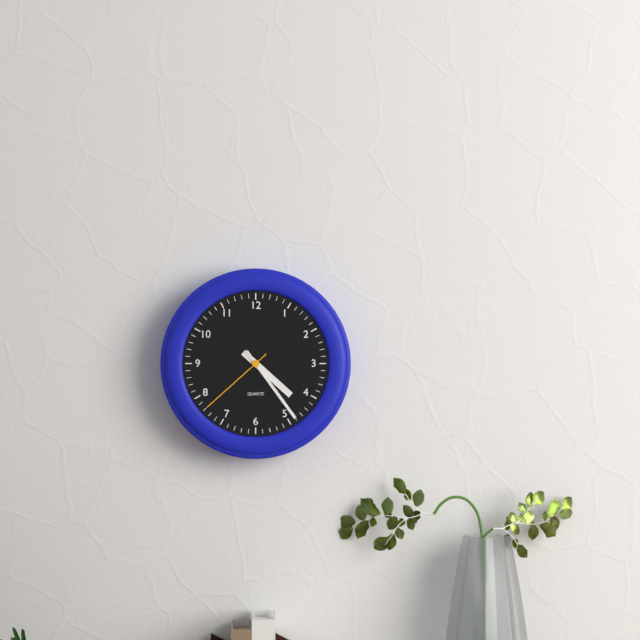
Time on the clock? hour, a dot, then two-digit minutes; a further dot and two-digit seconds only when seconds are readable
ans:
4.24.38
